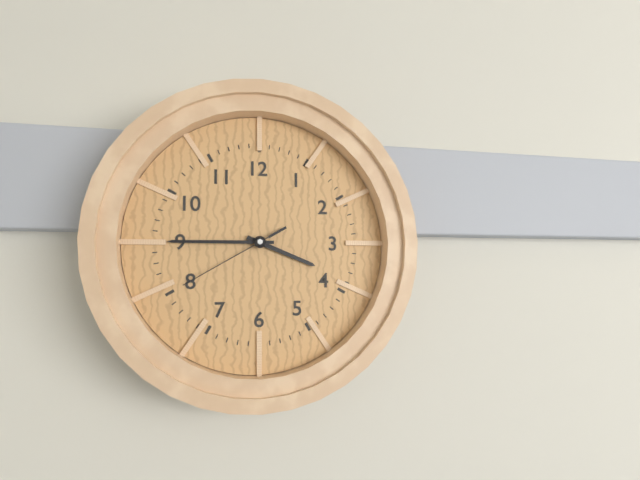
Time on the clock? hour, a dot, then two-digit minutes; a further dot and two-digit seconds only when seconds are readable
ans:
3.45.40
